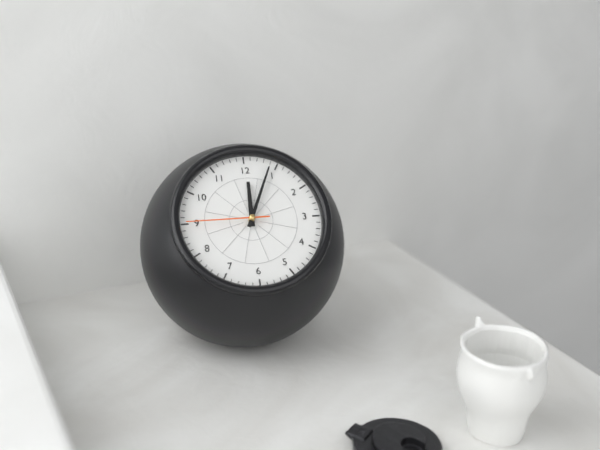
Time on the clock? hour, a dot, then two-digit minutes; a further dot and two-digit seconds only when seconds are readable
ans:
12.04.45
